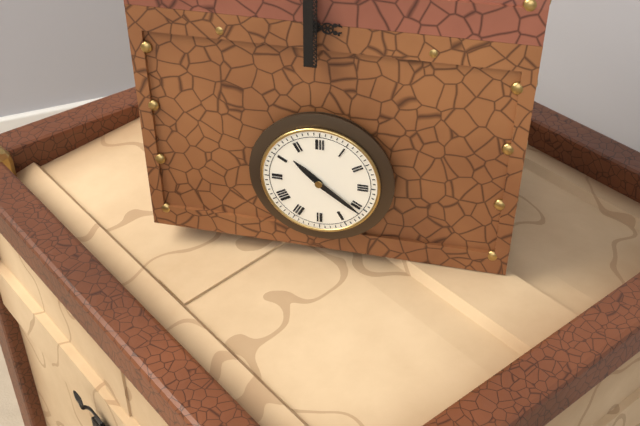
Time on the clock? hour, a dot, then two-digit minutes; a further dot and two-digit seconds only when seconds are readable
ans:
10.21
